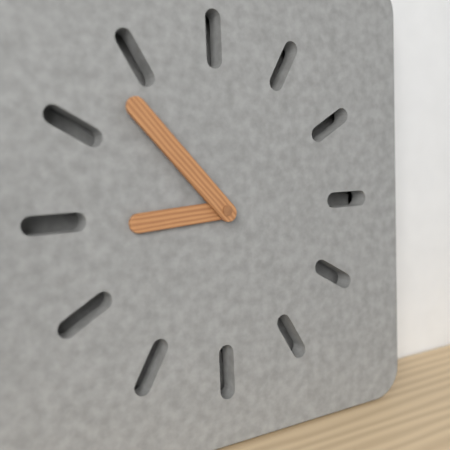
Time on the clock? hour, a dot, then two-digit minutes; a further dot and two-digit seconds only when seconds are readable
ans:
8.53
